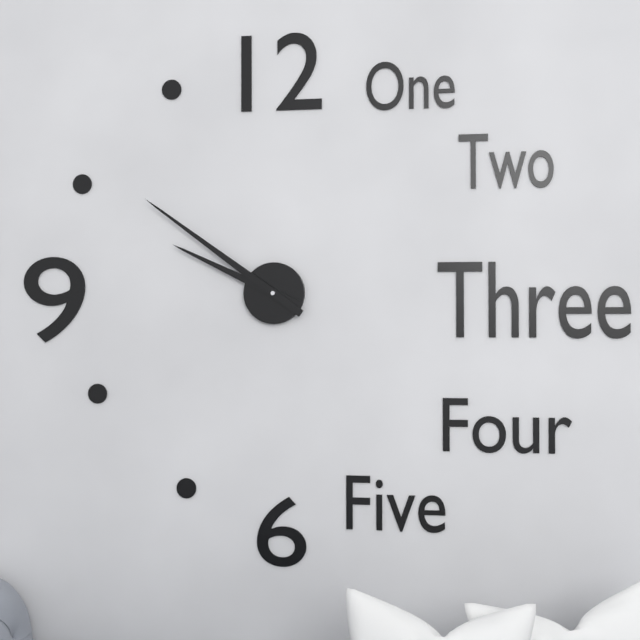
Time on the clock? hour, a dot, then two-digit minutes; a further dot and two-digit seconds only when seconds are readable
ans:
9.51
